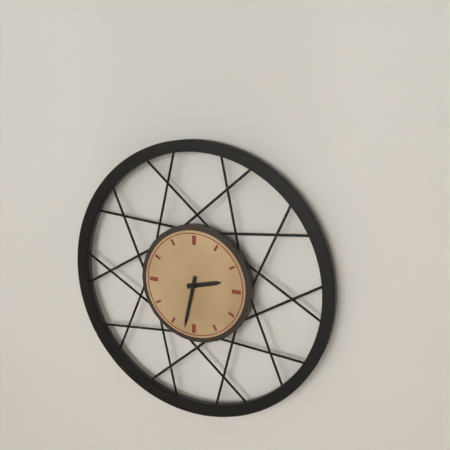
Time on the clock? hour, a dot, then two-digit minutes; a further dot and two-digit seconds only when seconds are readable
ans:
2.32
